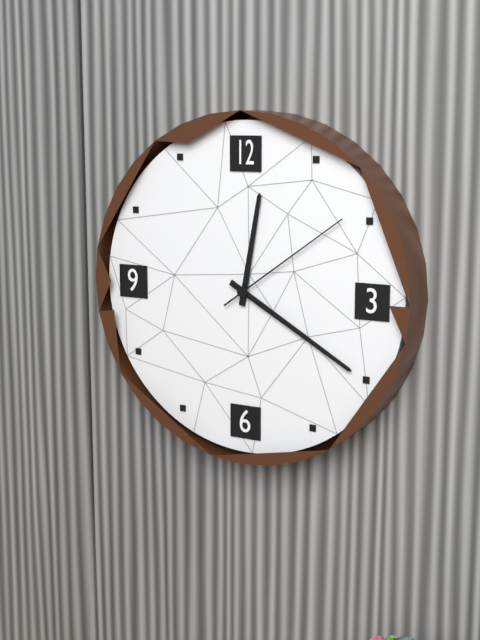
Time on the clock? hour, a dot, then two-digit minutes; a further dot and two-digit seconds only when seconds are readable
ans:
12.20.09
